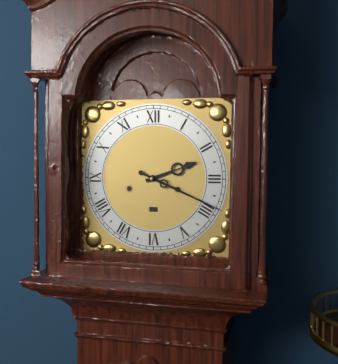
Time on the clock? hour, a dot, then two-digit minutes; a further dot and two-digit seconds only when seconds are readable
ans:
2.19
